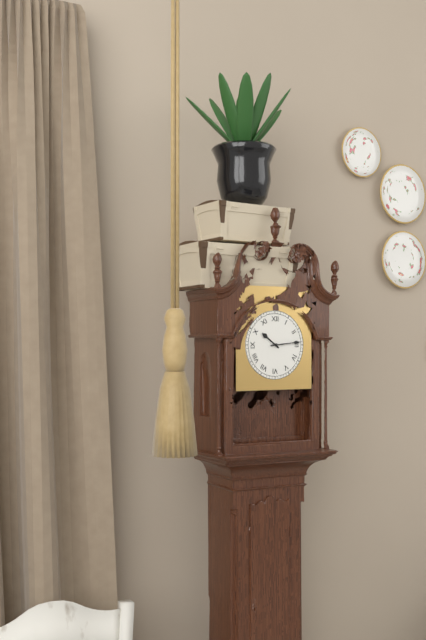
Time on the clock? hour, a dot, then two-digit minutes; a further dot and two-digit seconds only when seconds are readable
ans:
10.14
